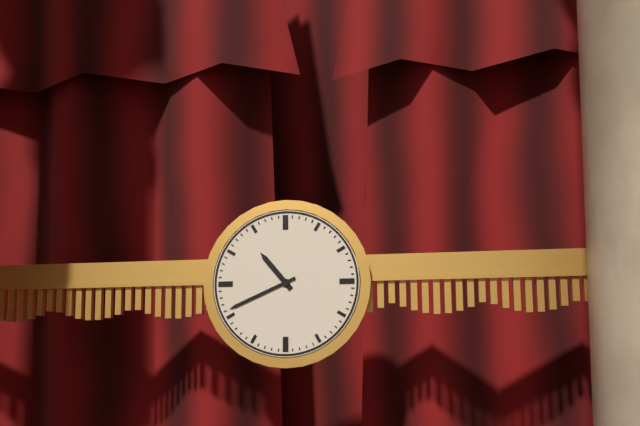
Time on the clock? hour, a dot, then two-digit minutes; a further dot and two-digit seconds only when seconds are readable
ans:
10.41
